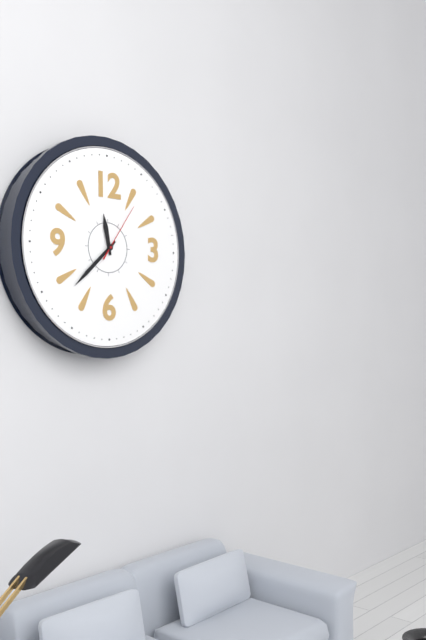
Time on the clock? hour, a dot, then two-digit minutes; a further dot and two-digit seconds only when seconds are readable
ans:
11.38.06
